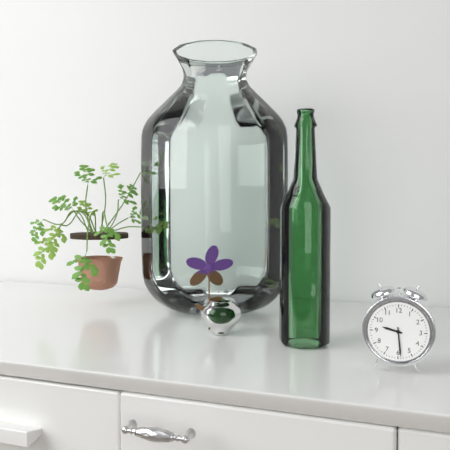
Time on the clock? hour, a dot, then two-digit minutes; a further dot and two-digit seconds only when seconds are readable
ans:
9.29
